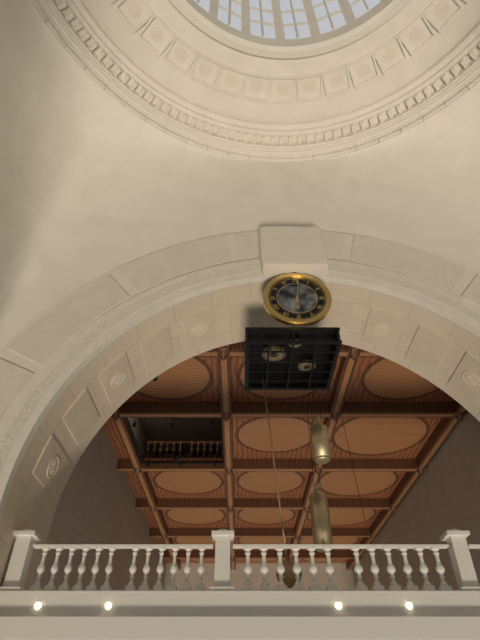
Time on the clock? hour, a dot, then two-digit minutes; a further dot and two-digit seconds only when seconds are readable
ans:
6.01
